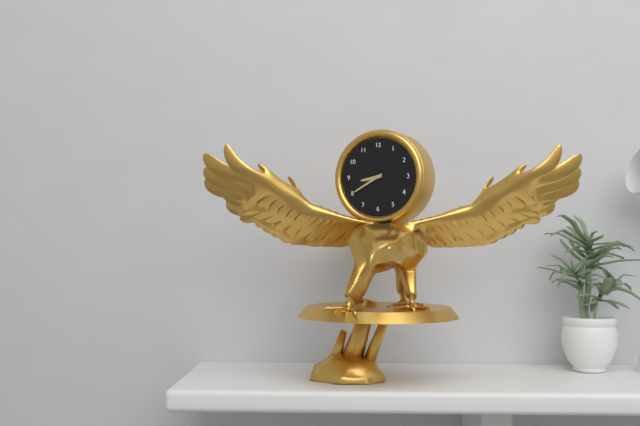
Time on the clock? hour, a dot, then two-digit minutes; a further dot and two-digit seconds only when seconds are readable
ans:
8.40
